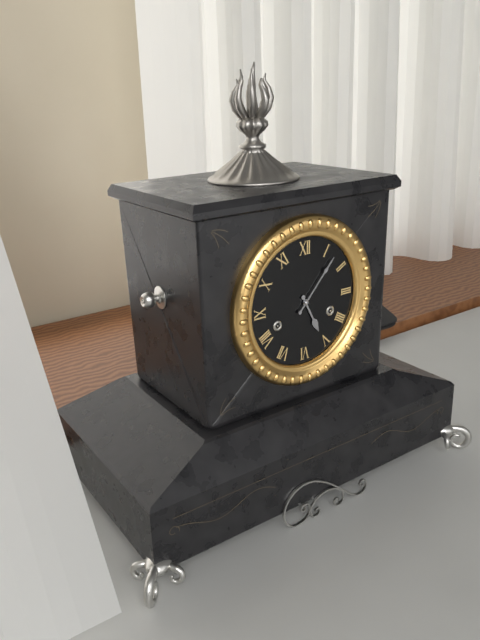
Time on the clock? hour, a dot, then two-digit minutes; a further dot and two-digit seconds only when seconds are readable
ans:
5.07
